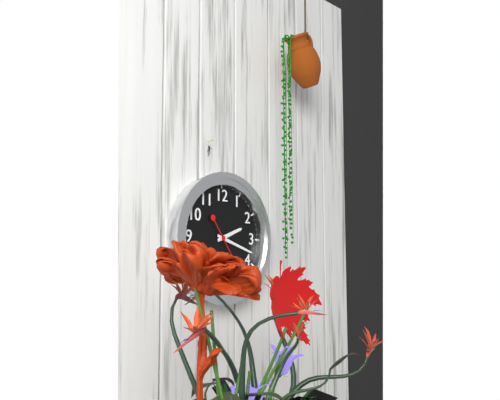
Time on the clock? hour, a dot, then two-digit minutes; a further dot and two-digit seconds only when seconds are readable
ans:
2.18
